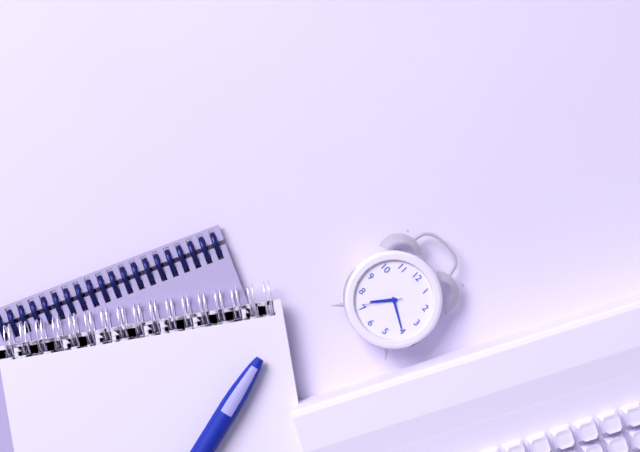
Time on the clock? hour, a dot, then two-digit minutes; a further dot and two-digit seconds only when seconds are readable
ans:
7.20
